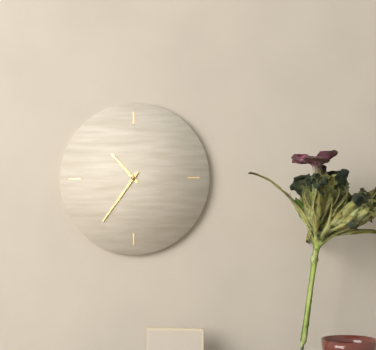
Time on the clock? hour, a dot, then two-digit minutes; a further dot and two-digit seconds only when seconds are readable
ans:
10.36
